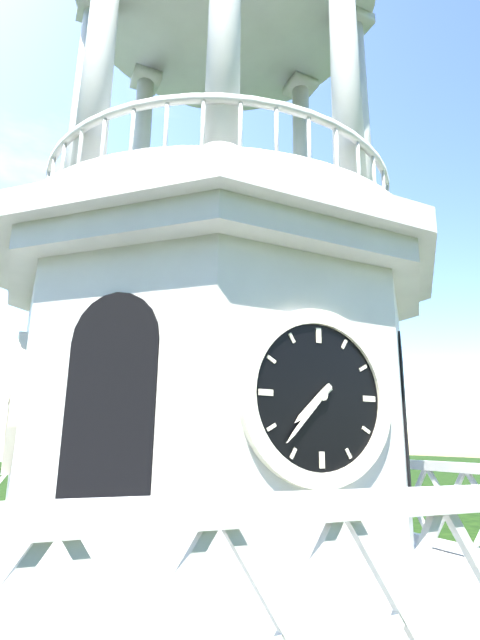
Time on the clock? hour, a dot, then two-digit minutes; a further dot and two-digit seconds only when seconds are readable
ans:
7.37
